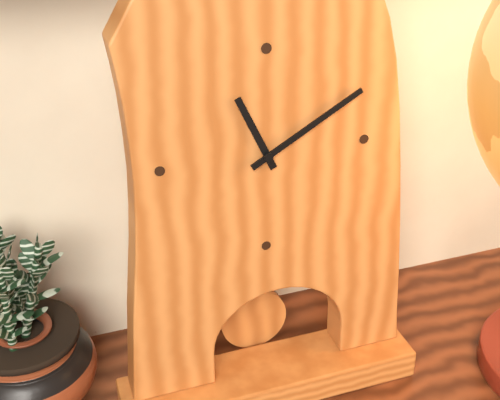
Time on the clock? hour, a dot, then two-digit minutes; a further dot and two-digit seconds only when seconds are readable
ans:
11.10
